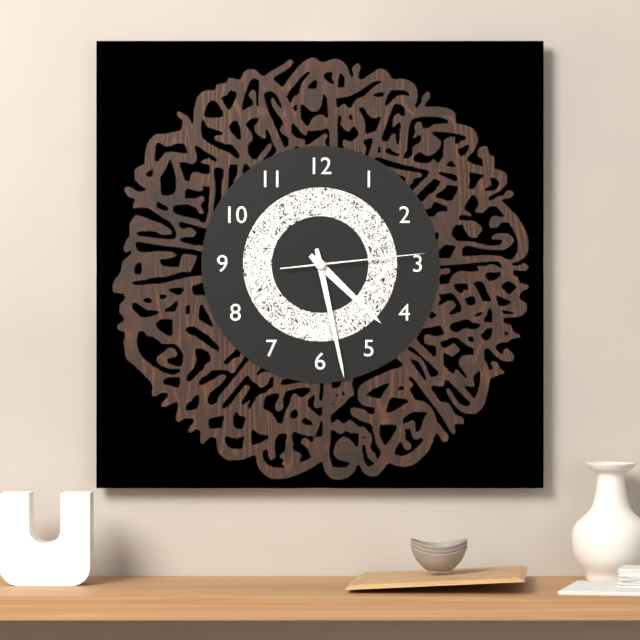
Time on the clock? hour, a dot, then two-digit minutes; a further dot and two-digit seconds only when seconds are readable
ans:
4.28.14
